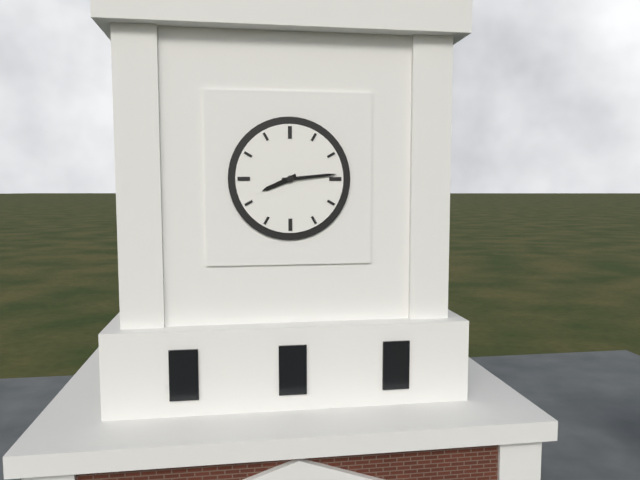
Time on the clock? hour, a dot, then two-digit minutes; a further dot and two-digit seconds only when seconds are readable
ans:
8.14
